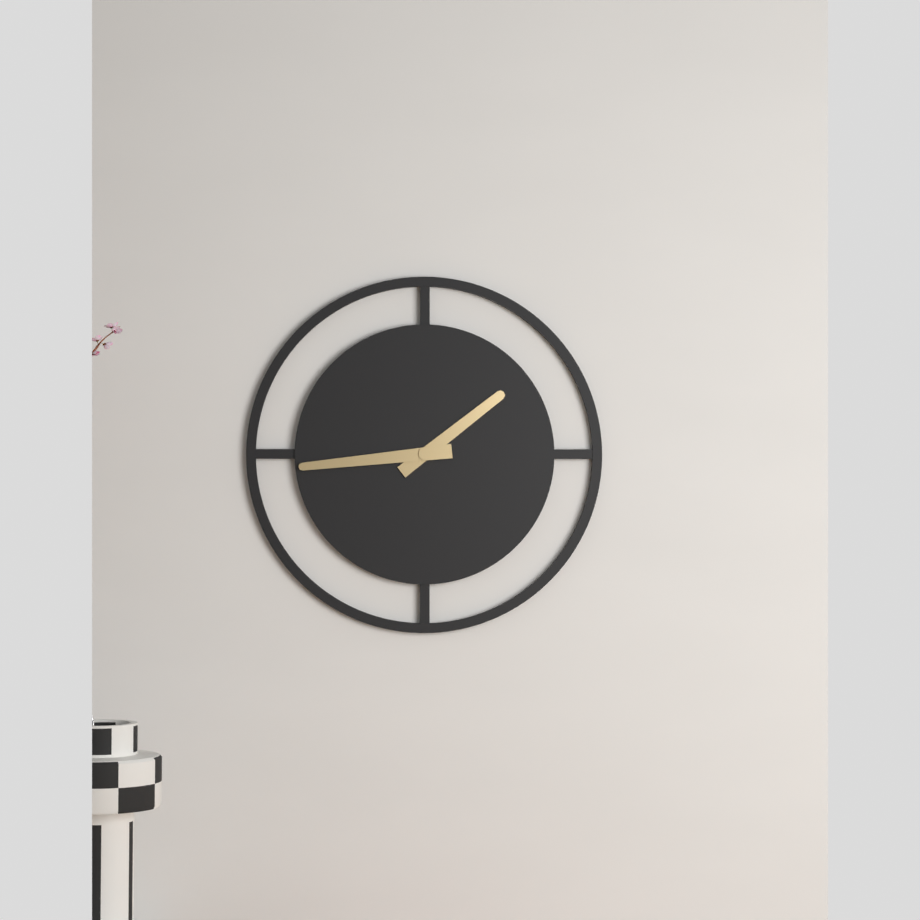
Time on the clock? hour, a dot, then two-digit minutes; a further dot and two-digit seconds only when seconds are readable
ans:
1.44
